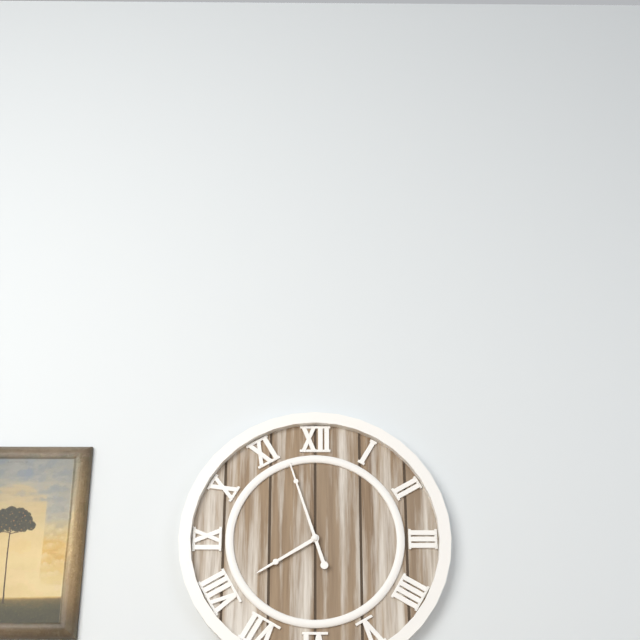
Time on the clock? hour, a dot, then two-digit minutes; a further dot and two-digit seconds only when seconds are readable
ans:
7.57
